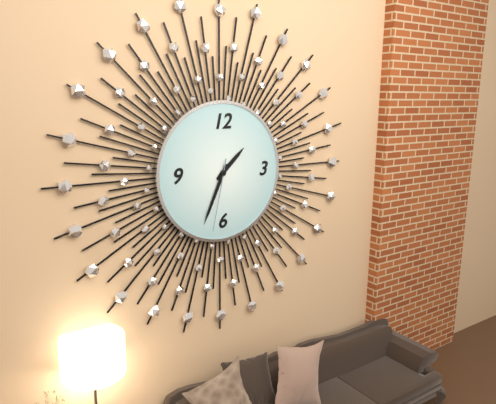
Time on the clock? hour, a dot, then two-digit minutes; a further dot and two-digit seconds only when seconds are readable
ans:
1.34.32
